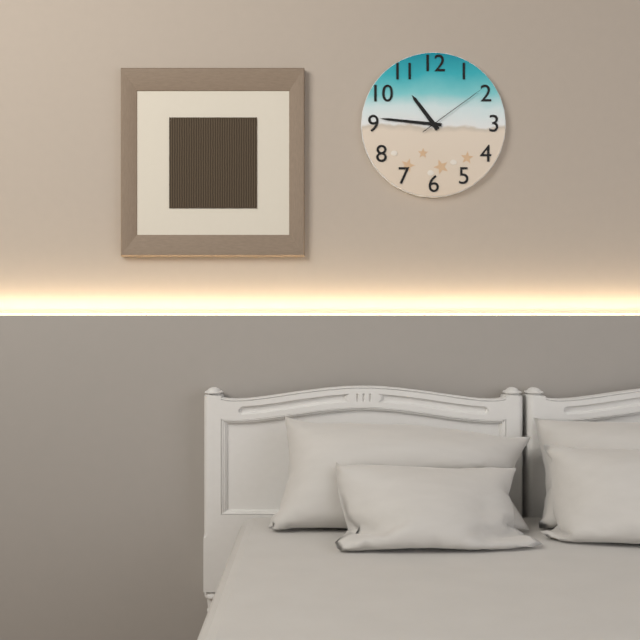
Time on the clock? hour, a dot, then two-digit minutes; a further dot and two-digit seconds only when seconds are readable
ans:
10.46.09
